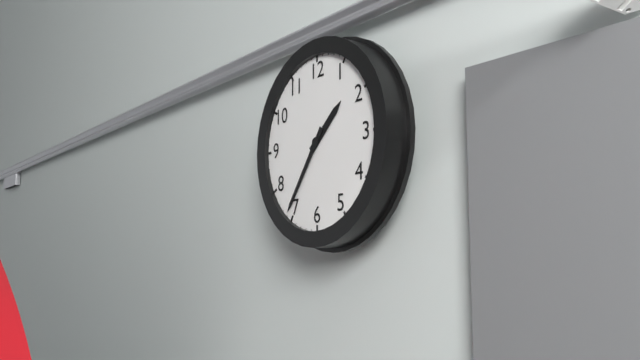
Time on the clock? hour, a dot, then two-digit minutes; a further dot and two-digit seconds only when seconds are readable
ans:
1.36
